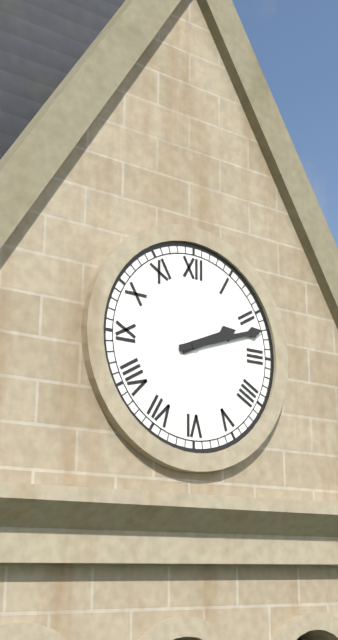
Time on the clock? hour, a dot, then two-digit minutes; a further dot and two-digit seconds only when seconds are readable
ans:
2.12
